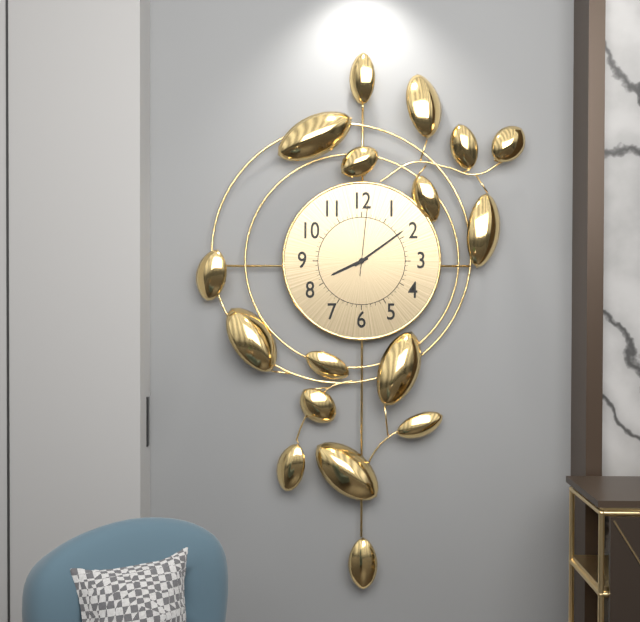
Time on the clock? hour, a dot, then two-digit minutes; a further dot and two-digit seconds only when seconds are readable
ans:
8.09.01
